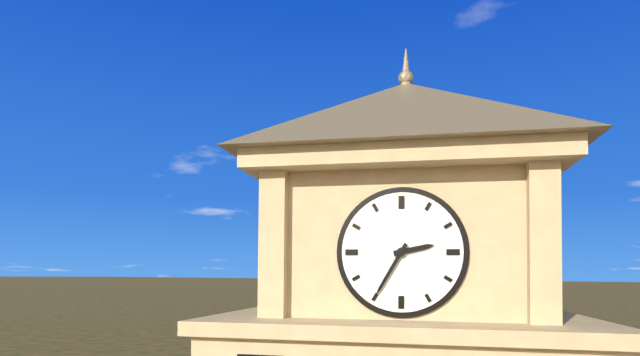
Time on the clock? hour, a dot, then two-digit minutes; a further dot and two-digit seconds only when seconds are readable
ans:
2.35
